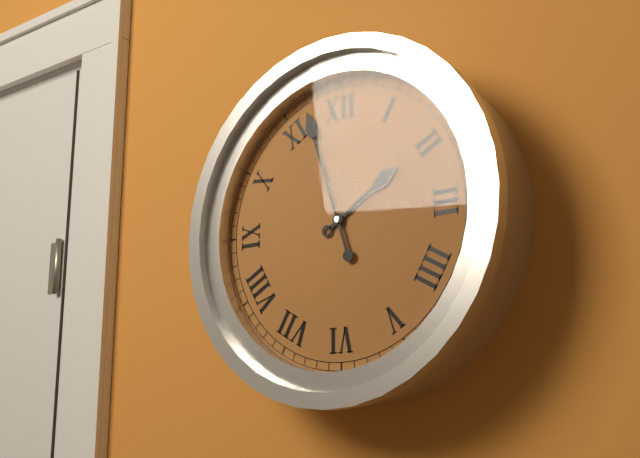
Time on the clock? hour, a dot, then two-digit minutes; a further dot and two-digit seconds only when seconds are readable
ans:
1.57
